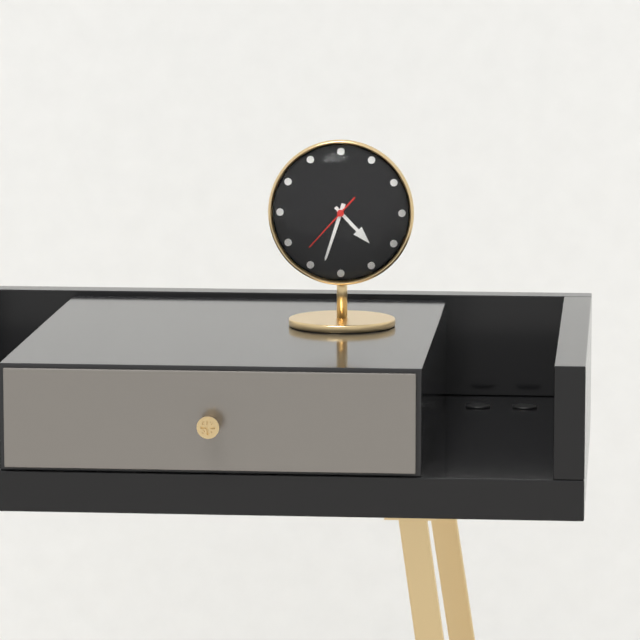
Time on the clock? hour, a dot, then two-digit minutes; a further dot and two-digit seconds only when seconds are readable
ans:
4.33.37
